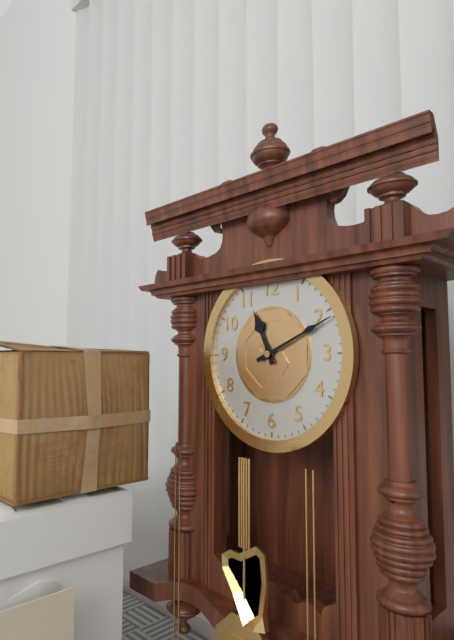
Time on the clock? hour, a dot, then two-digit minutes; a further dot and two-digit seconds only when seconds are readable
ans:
11.11
